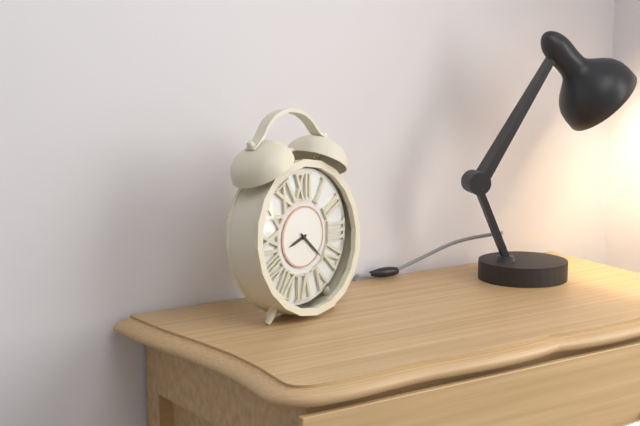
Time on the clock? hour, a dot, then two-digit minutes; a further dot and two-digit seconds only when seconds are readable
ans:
8.22
